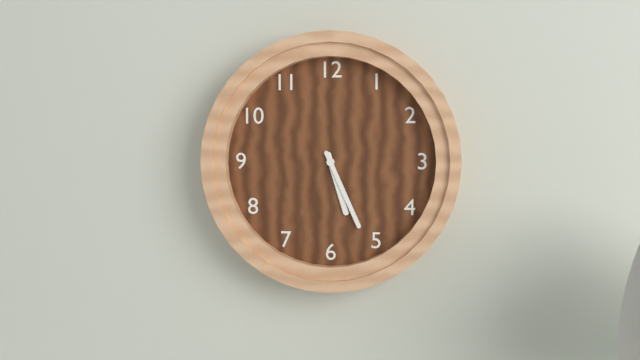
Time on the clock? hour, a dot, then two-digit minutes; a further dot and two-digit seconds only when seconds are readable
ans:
5.26
